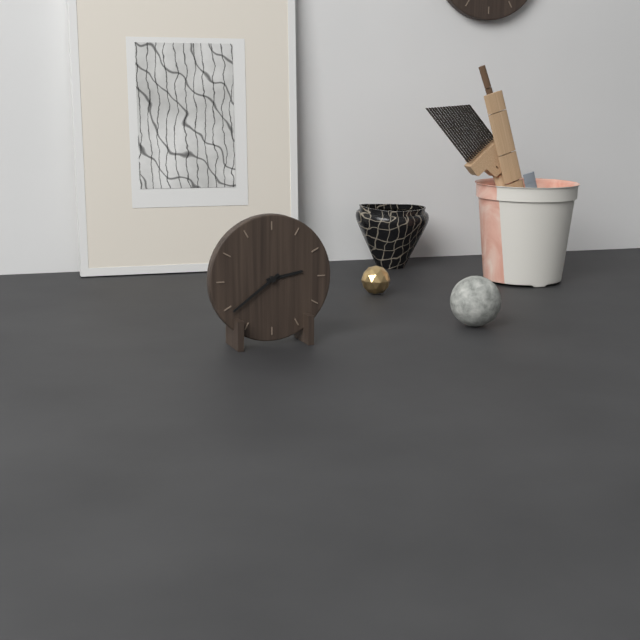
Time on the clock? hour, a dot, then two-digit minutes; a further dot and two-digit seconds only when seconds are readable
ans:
2.39
